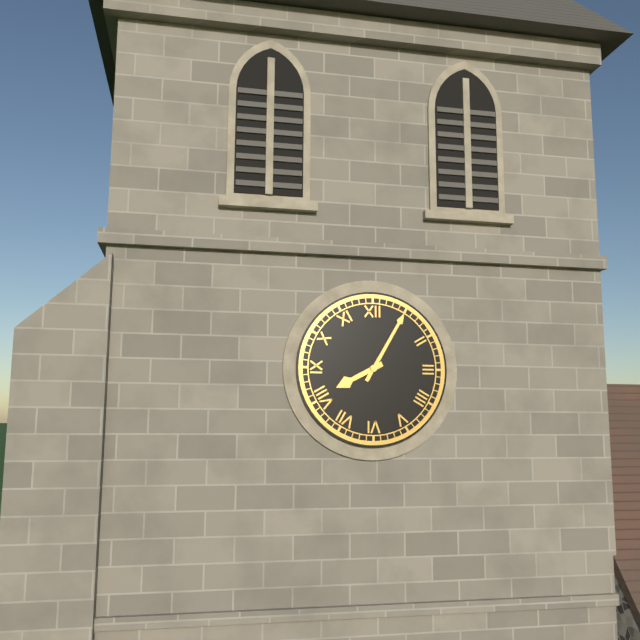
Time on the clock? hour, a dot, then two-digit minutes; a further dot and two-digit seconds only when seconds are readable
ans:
8.05
